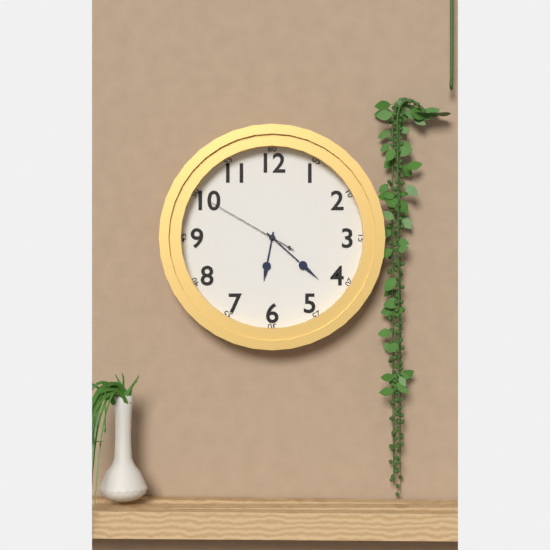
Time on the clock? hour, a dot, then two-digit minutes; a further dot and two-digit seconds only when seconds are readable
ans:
6.22.50
